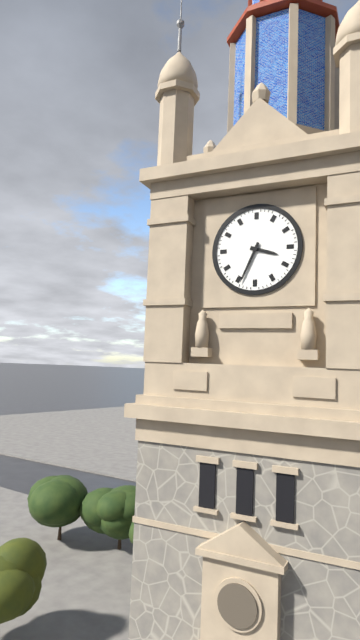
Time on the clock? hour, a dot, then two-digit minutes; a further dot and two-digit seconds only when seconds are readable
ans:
3.34
